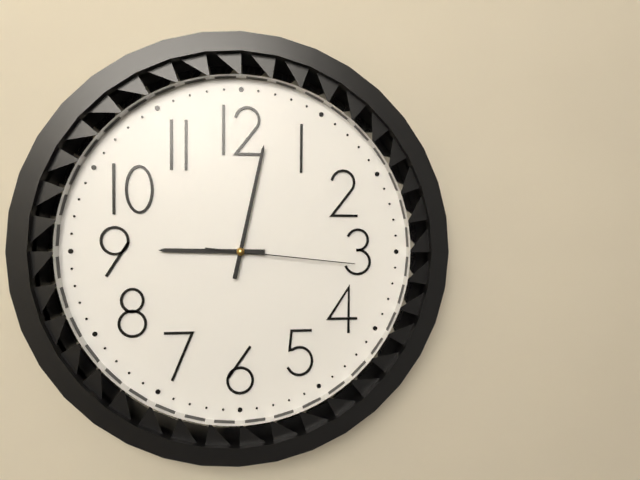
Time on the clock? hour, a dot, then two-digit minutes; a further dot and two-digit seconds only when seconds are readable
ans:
9.02.16
